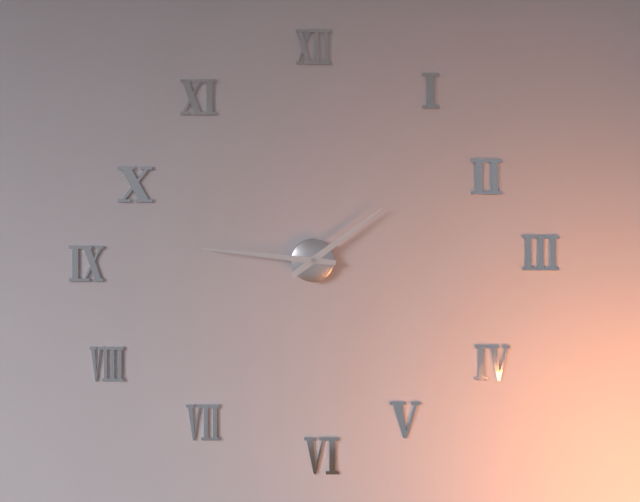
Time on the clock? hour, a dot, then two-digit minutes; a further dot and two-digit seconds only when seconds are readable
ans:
1.46
